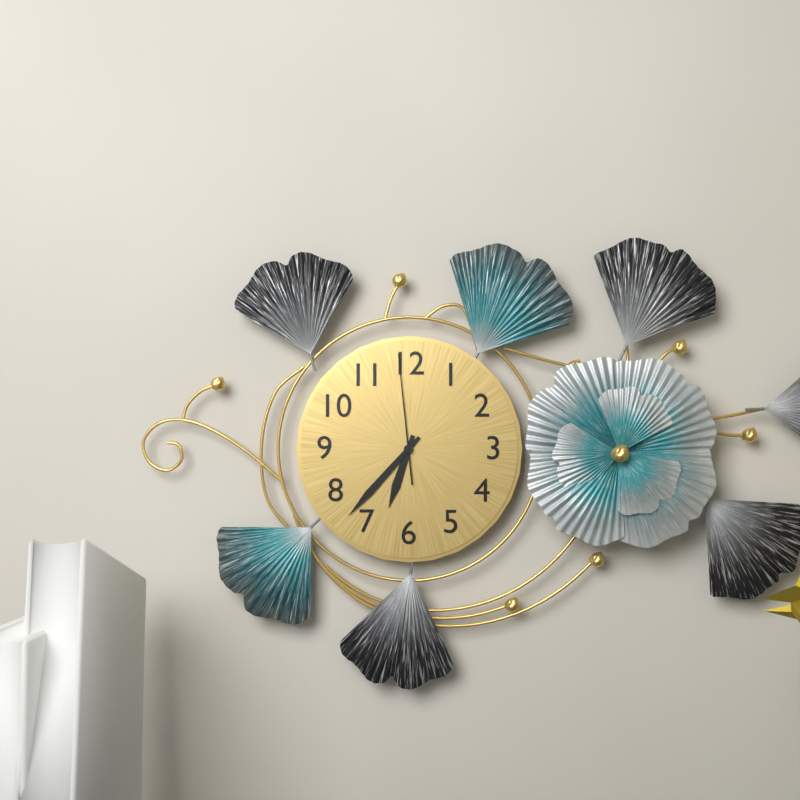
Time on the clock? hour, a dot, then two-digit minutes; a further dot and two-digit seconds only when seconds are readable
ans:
6.37.59
